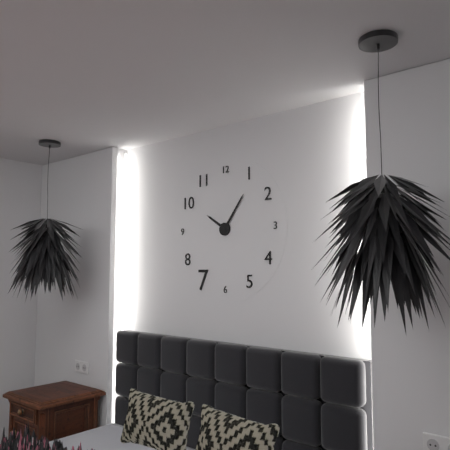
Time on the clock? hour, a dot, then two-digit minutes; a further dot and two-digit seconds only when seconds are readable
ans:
10.06
